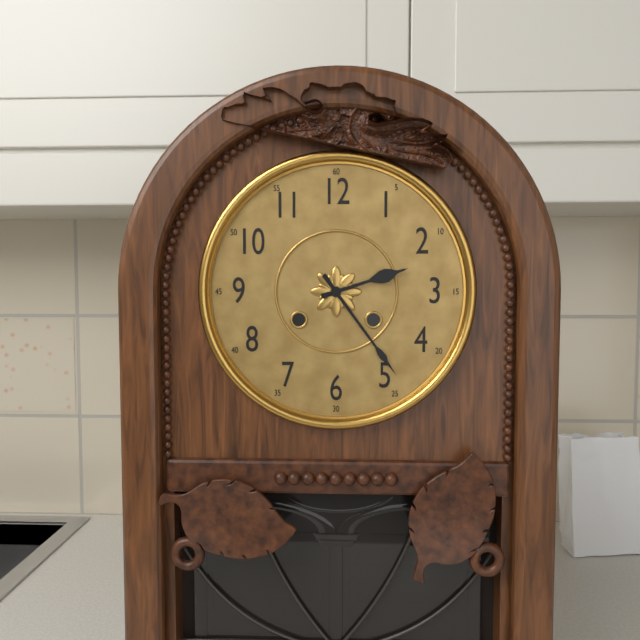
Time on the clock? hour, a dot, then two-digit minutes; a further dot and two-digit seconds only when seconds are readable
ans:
2.24
